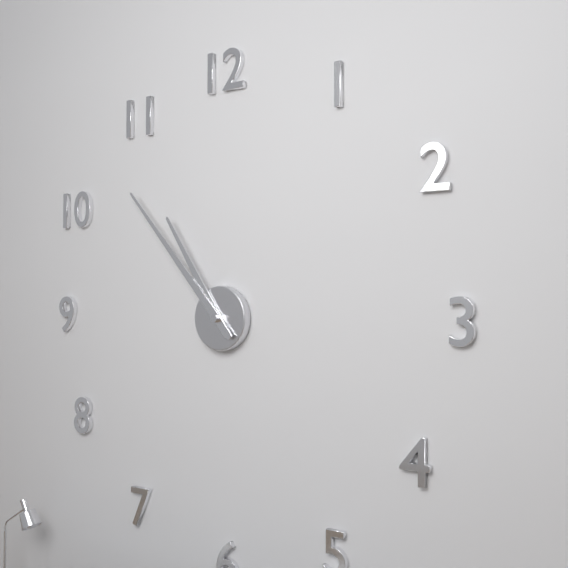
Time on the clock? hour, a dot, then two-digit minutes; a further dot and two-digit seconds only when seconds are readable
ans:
10.53
